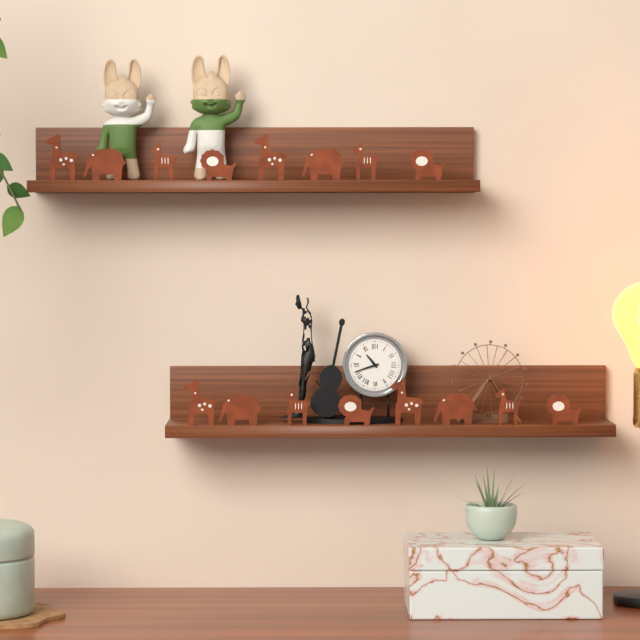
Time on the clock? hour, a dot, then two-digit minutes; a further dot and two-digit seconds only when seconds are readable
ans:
10.42
